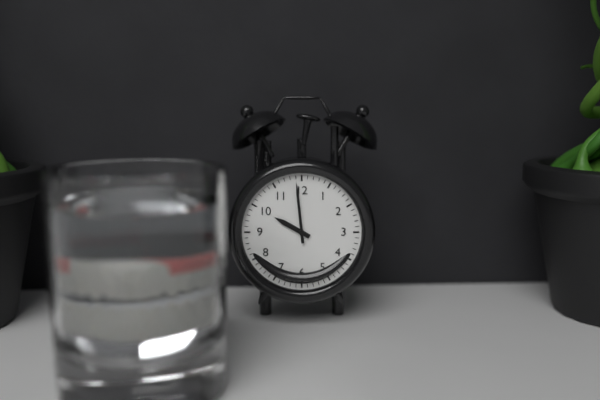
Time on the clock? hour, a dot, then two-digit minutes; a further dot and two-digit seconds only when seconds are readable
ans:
9.59
